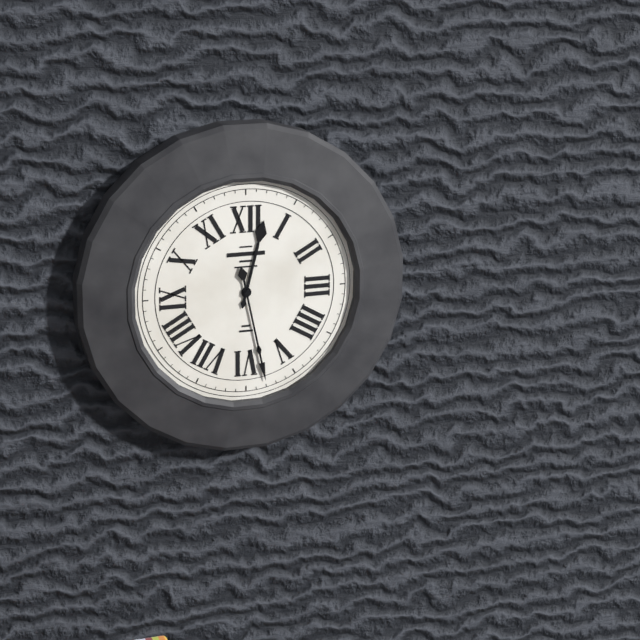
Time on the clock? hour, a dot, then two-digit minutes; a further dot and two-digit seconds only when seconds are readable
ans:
12.28
